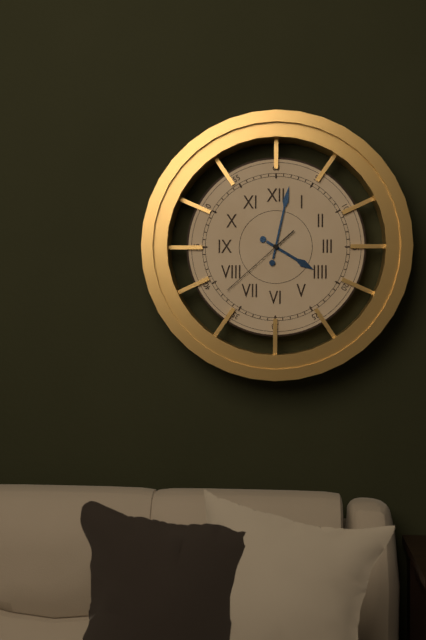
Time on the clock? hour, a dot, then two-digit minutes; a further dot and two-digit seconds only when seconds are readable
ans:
4.02.38
